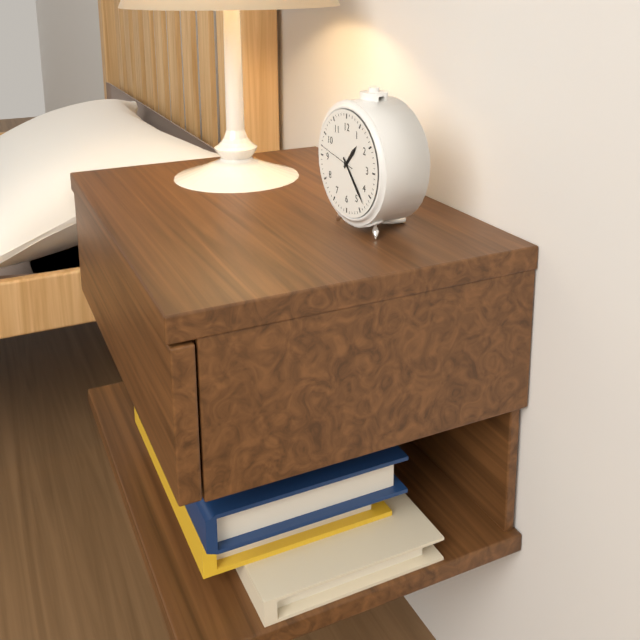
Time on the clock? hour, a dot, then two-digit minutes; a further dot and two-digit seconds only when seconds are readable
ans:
1.23
